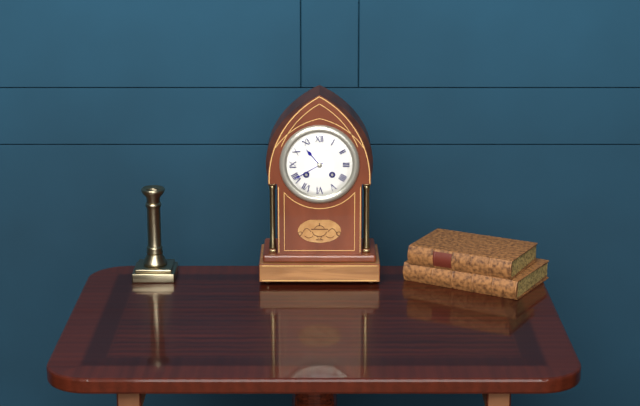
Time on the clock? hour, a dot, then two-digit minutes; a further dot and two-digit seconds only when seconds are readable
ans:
10.40
